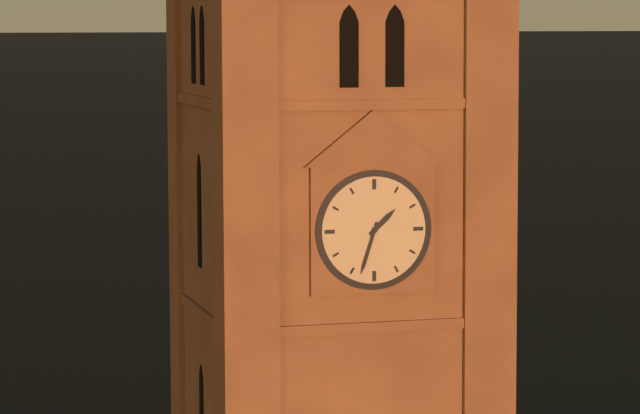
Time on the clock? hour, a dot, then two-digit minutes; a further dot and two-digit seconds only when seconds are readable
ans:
1.33
